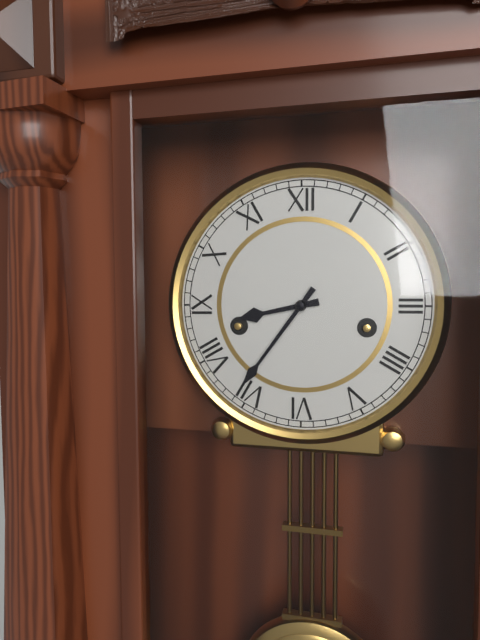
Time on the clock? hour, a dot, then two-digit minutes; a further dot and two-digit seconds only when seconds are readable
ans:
8.36
